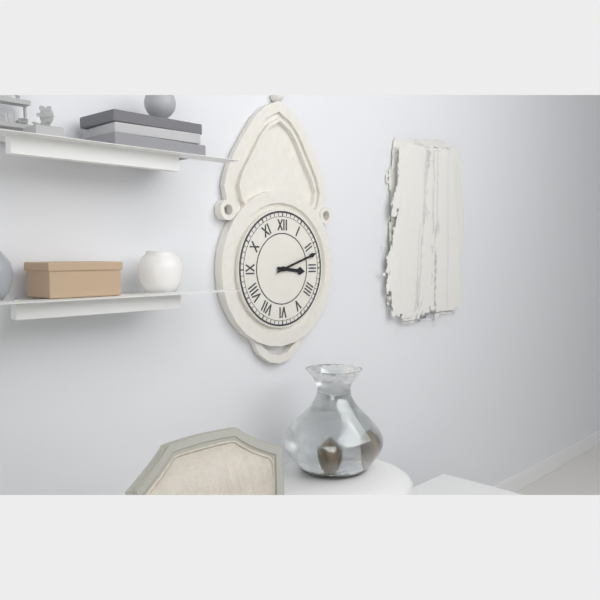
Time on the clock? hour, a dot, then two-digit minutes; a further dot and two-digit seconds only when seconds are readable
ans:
3.12
